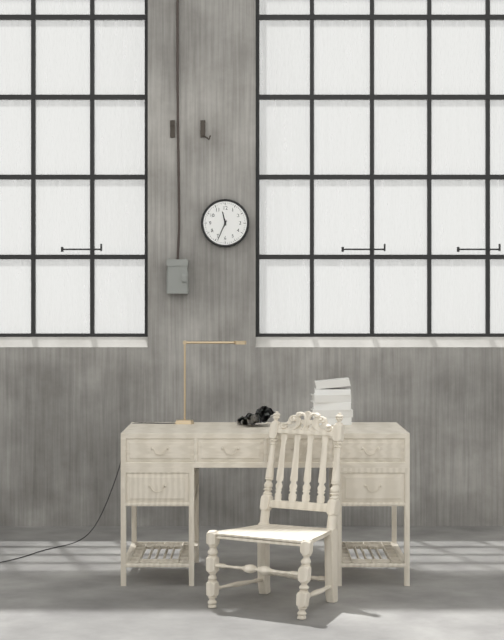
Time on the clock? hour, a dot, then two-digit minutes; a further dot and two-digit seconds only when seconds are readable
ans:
11.34
